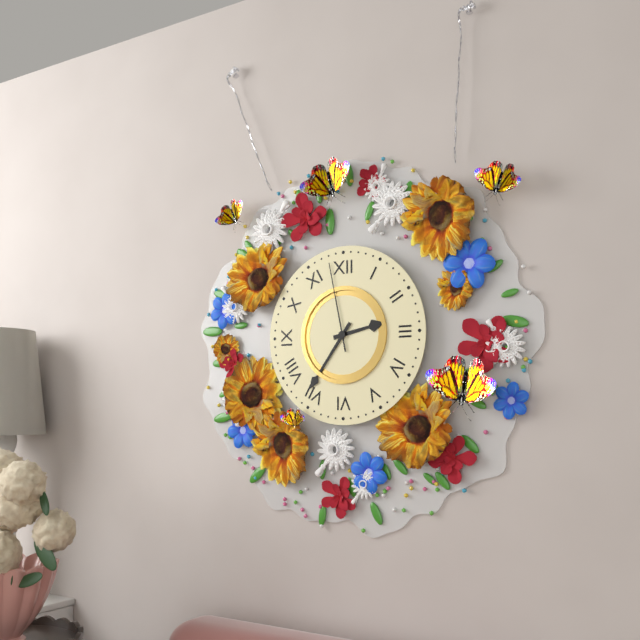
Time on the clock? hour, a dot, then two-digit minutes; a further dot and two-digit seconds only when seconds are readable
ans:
2.36.58
